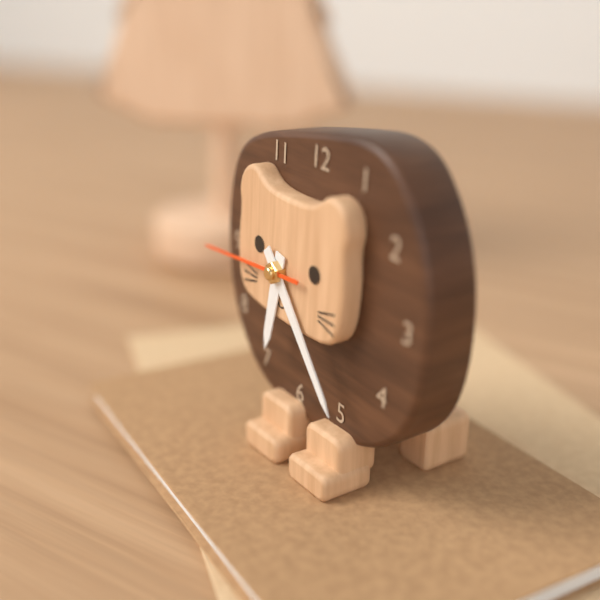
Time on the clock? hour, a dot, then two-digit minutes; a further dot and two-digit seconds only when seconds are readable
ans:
6.23.44
